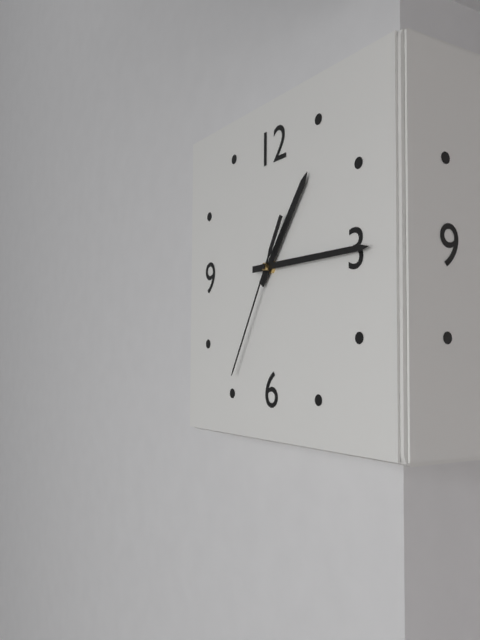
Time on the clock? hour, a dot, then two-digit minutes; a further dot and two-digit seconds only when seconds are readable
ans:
1.15.35
